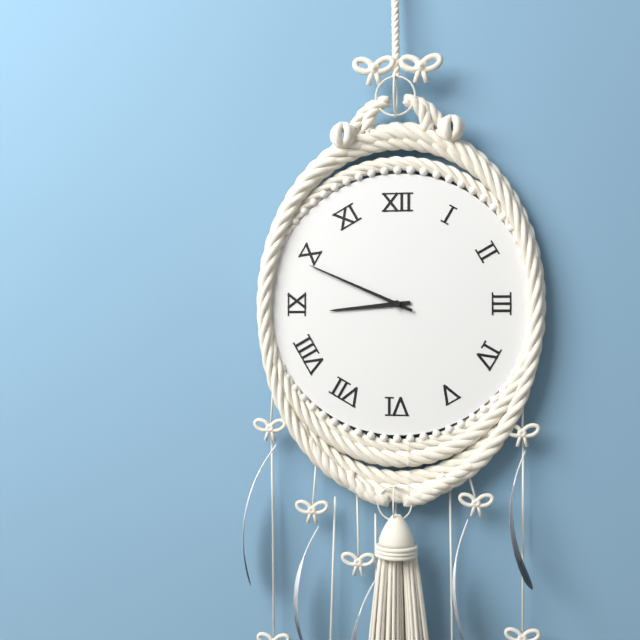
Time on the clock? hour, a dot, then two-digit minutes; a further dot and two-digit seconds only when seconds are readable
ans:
8.49
